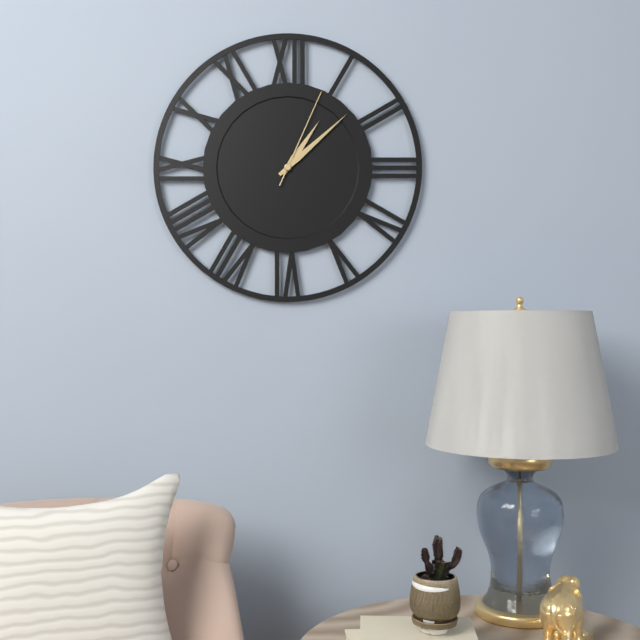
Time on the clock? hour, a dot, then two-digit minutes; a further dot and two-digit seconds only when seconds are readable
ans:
1.08.04
